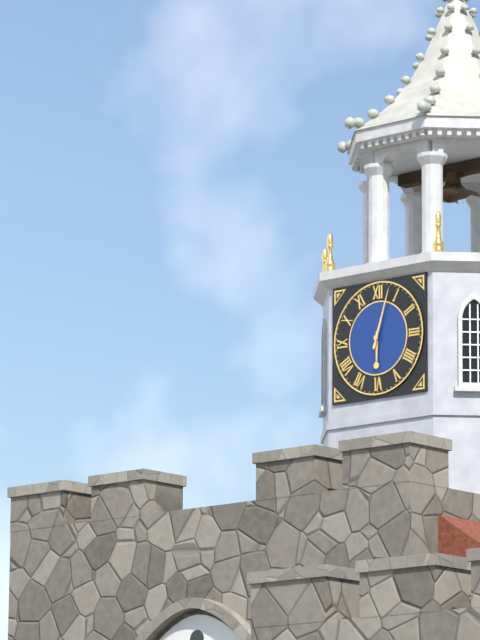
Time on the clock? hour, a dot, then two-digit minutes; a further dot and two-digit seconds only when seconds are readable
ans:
6.03
